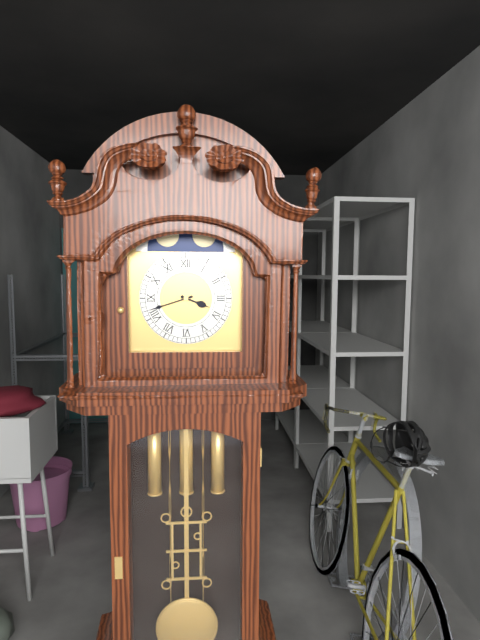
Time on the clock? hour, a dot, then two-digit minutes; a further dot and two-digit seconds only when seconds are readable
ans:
3.42
